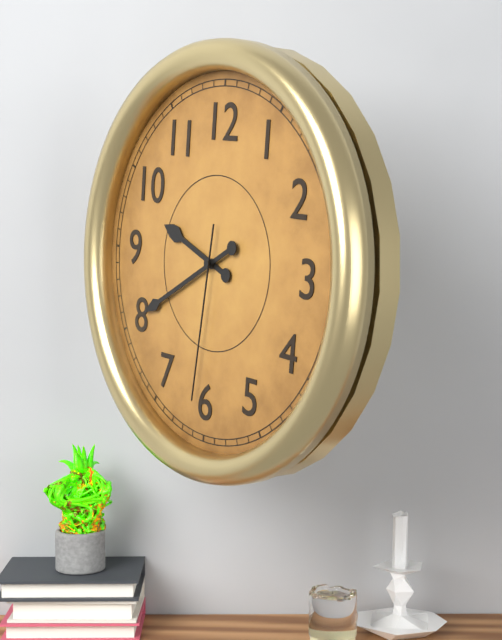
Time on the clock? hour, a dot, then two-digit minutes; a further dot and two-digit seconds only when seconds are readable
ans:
9.40.31
